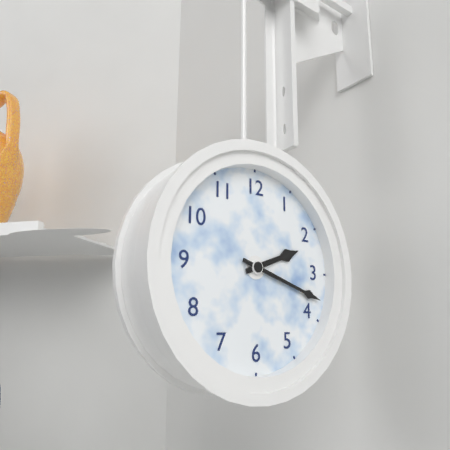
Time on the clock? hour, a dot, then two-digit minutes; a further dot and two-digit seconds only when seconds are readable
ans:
2.18
